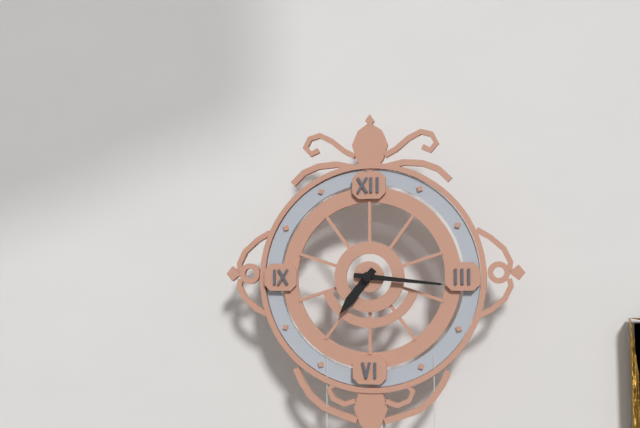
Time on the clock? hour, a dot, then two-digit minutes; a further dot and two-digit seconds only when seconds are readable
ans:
7.16
